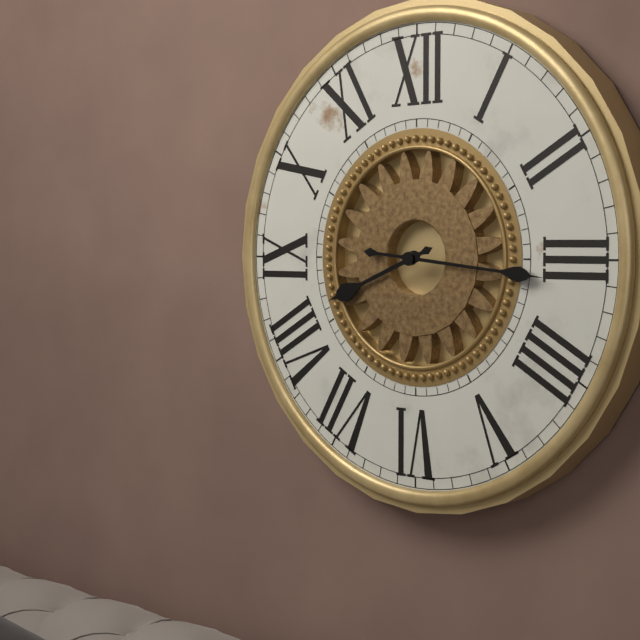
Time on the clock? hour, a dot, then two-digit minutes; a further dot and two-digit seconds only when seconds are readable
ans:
8.16
